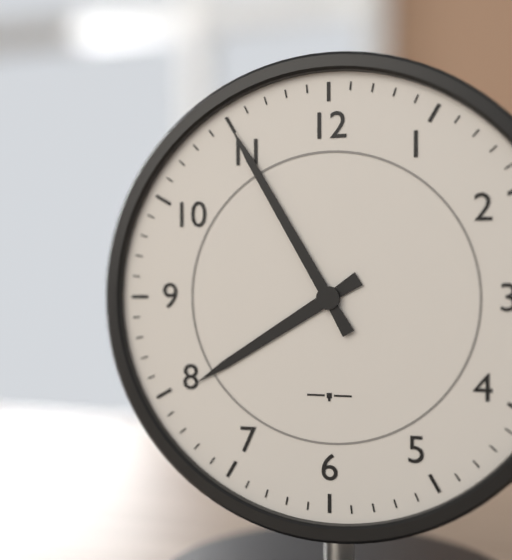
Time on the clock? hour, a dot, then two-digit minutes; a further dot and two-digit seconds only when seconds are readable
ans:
7.55
